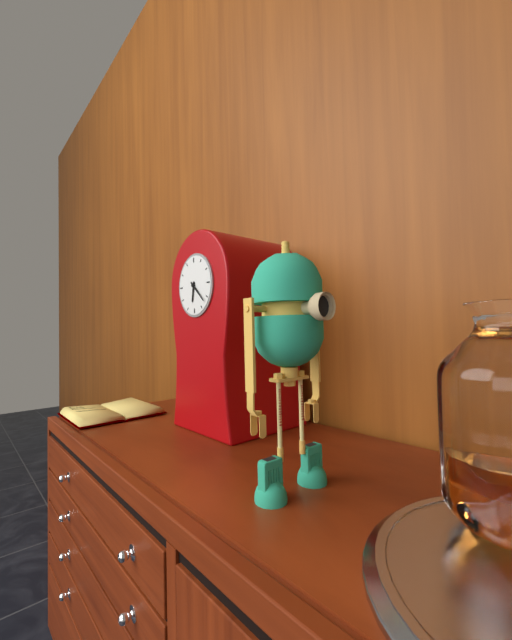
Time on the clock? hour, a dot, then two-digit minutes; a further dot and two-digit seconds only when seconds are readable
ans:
6.22
